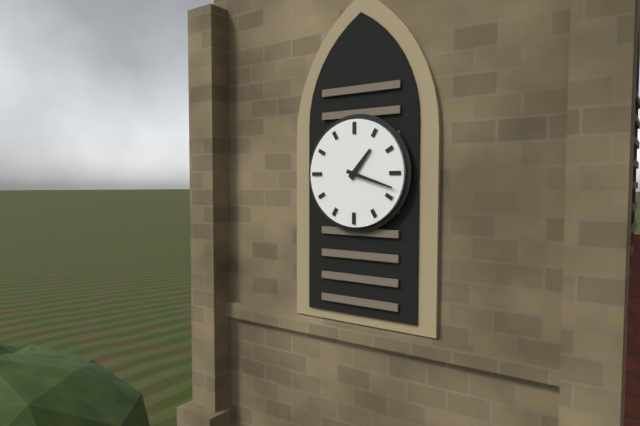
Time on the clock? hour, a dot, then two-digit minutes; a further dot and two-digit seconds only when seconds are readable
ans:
1.18
